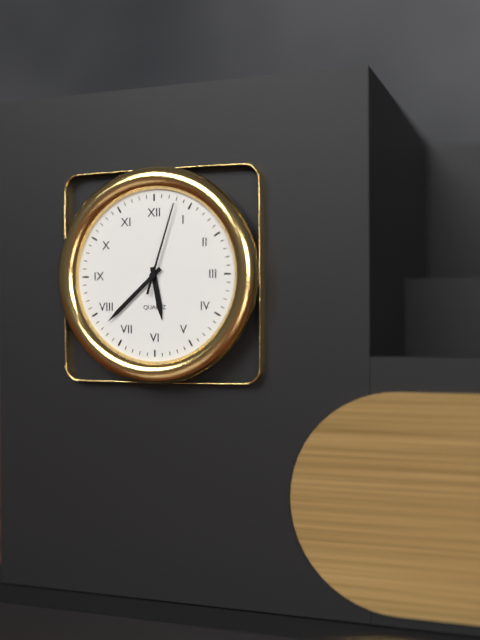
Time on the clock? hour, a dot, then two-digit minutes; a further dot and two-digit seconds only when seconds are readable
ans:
5.38.03
